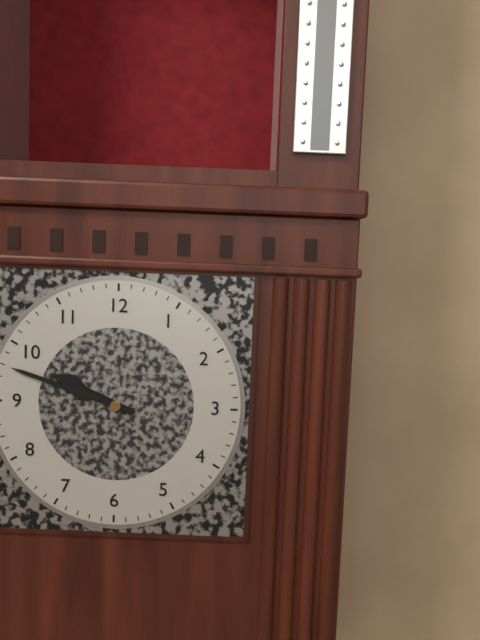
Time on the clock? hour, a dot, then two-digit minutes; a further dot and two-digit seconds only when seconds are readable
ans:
9.48
